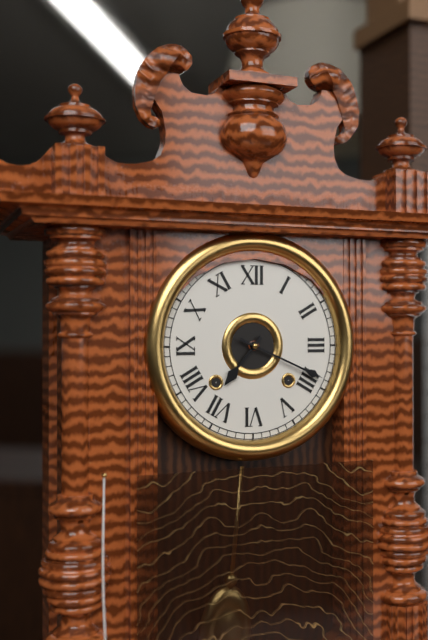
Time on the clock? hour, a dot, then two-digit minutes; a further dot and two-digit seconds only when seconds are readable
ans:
7.19
